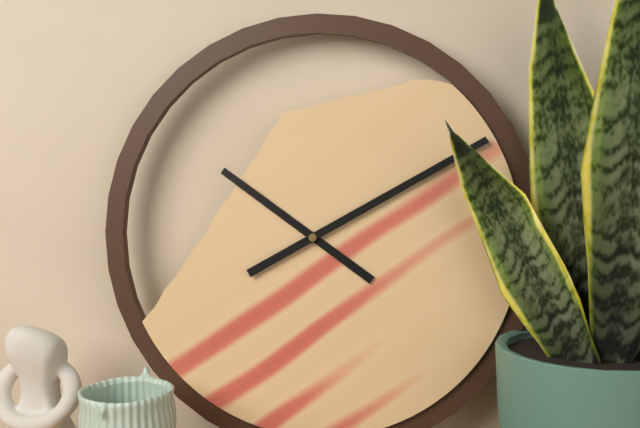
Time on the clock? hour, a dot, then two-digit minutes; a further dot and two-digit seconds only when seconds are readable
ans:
10.10
